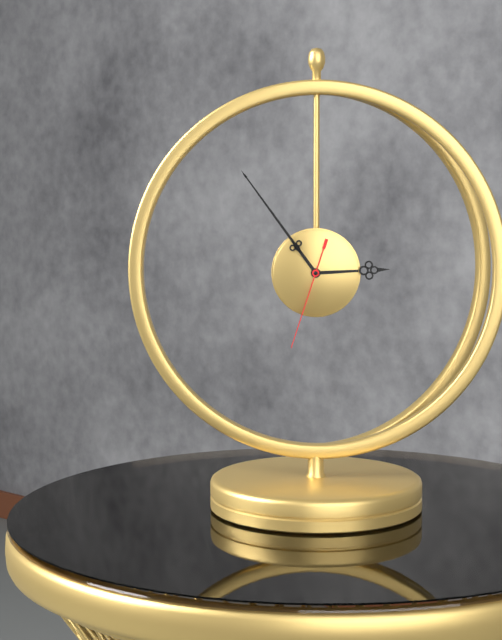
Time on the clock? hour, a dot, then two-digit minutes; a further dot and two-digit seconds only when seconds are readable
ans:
2.54.33
